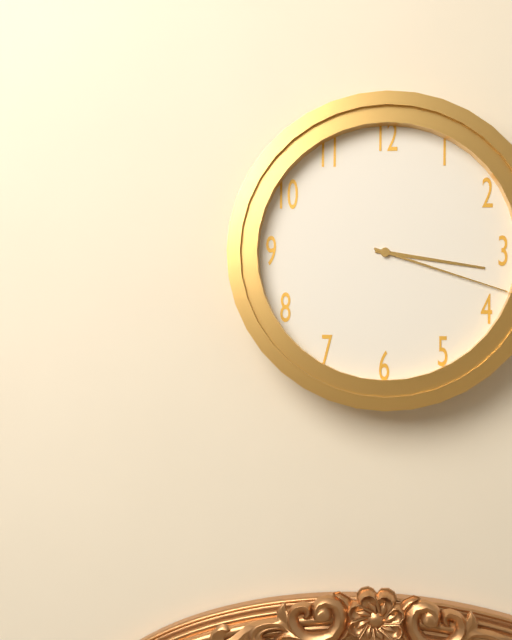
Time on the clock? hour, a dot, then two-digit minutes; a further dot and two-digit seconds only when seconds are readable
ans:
3.18
